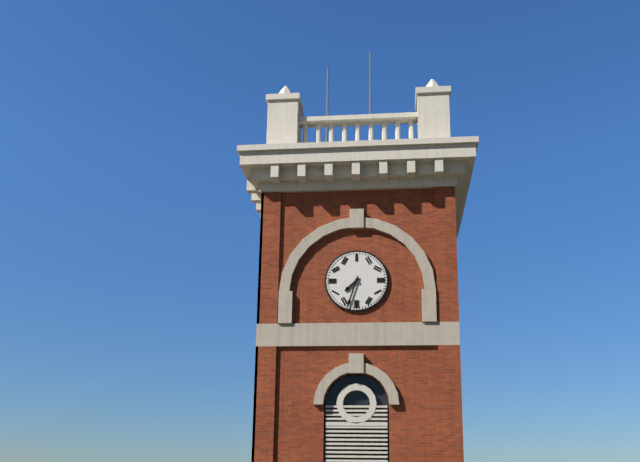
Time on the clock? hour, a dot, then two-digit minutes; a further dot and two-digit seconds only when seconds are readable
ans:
7.33
